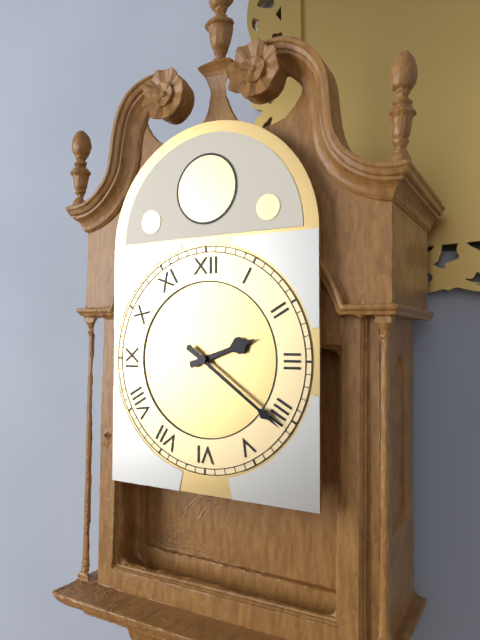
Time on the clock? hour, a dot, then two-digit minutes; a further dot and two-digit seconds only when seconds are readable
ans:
2.21
